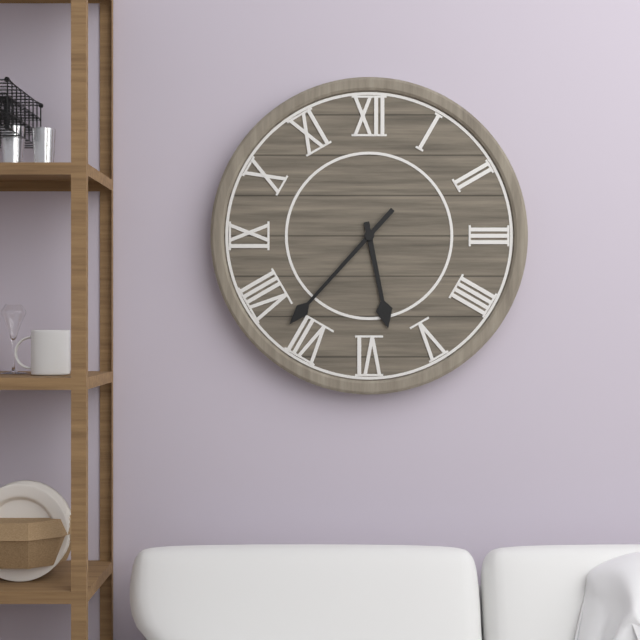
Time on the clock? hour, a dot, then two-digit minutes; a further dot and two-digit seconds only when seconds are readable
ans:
5.37
